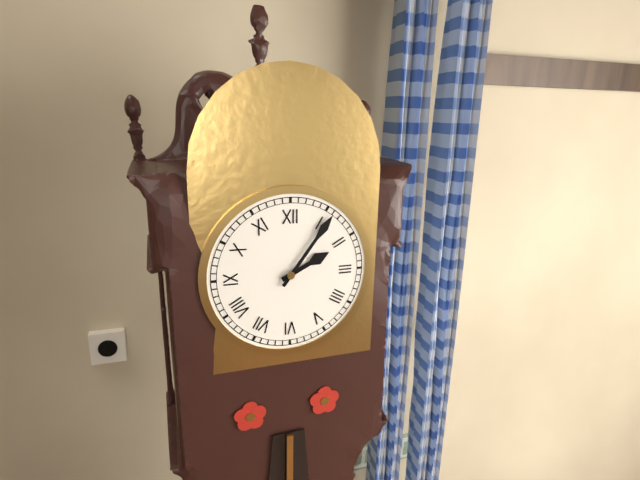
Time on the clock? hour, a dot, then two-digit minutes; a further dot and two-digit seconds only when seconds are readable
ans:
2.06
